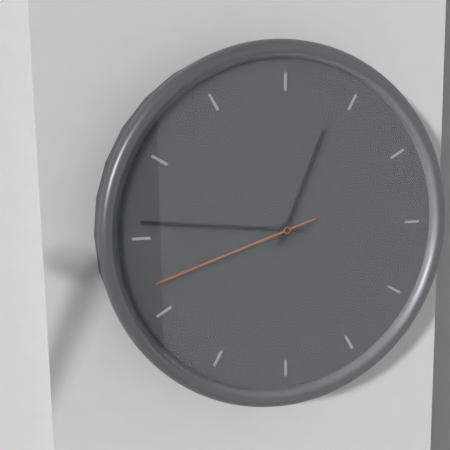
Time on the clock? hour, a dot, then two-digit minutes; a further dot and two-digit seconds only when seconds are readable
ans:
12.46.42
